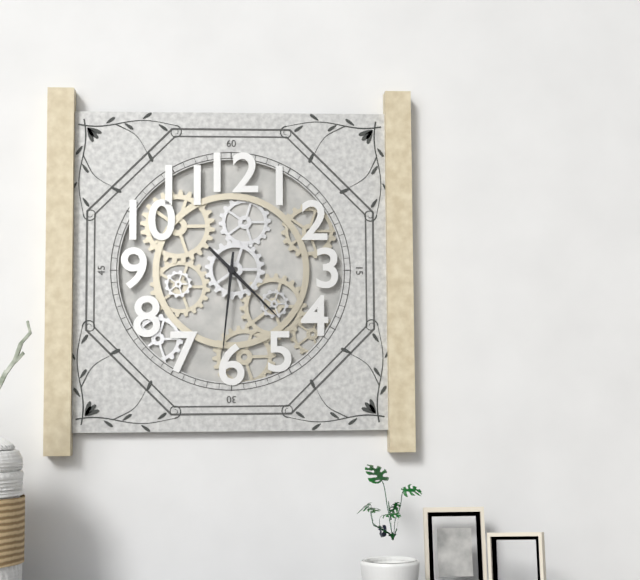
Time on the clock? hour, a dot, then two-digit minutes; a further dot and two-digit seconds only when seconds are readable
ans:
4.31
